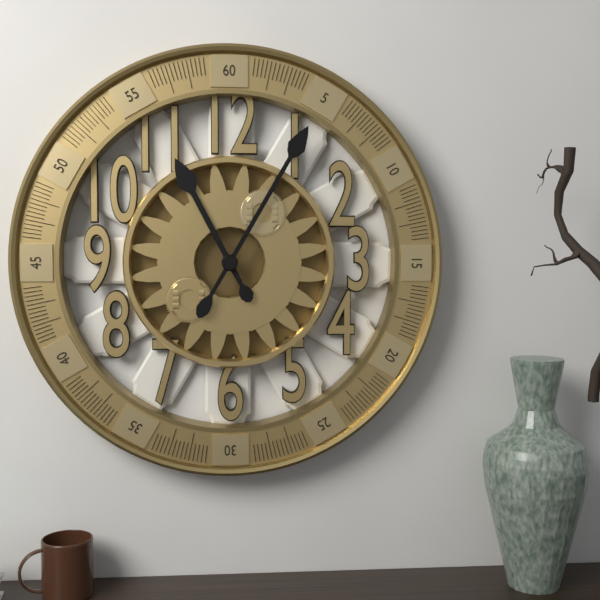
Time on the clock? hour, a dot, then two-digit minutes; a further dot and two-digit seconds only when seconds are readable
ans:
11.05
